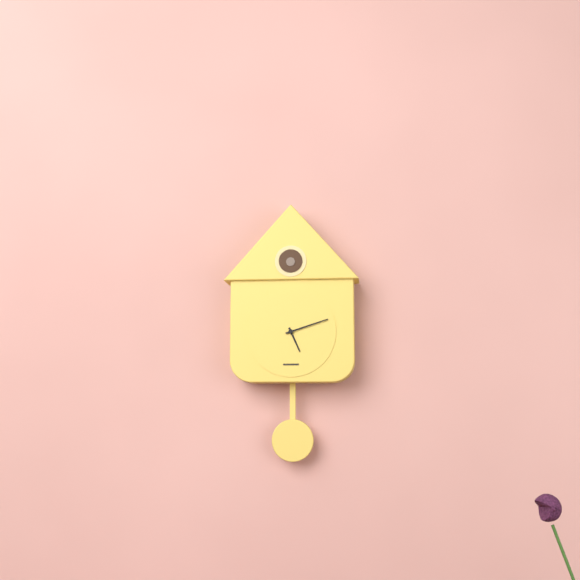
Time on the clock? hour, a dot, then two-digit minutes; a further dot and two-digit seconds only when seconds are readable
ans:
5.12
